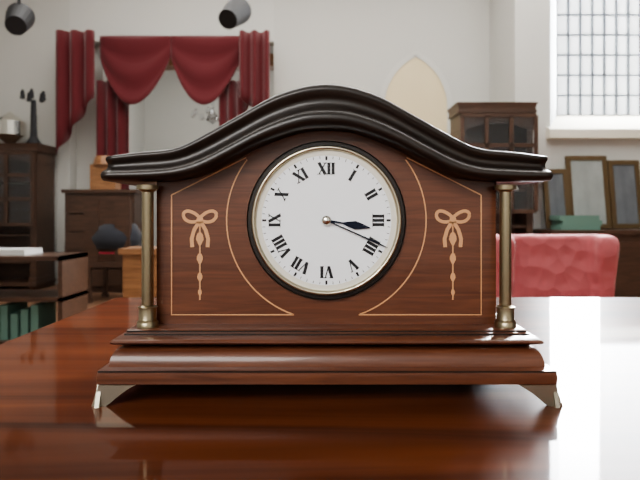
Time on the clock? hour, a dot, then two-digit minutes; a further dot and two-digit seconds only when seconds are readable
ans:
3.19
